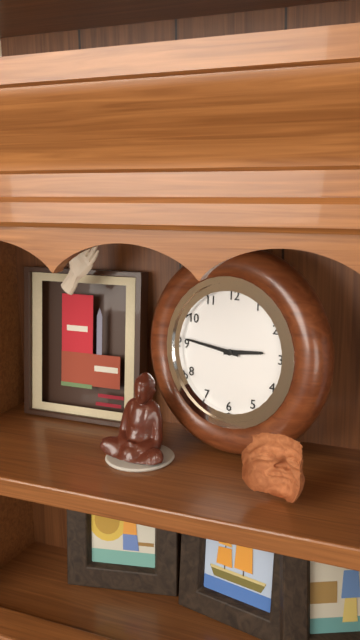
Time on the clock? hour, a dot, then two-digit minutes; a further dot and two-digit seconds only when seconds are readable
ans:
2.46
